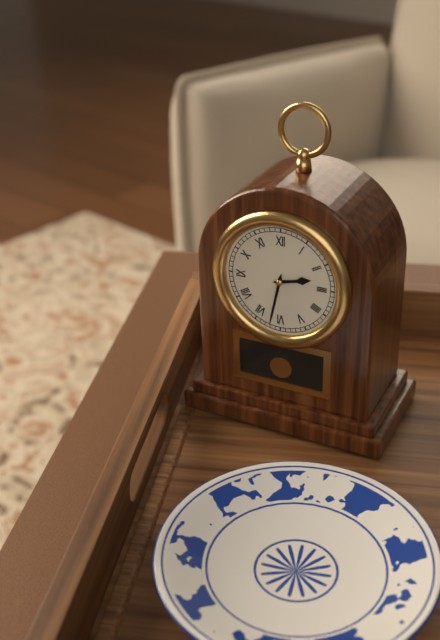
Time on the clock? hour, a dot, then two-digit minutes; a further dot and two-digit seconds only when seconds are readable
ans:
2.32
